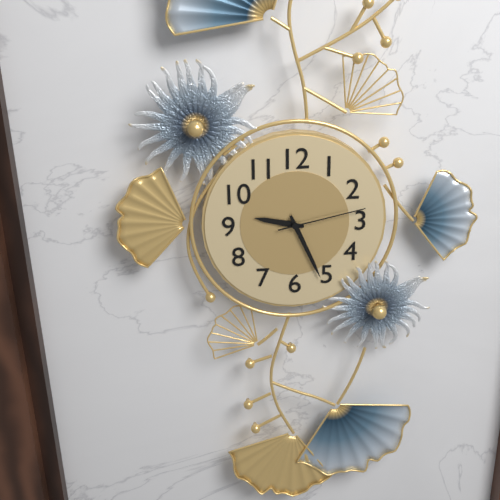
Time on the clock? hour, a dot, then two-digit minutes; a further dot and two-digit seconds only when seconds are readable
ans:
9.26.13
